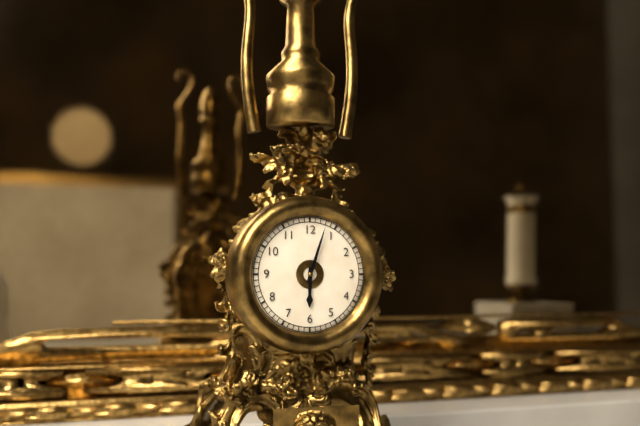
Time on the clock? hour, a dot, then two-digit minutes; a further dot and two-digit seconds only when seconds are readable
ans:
6.03
